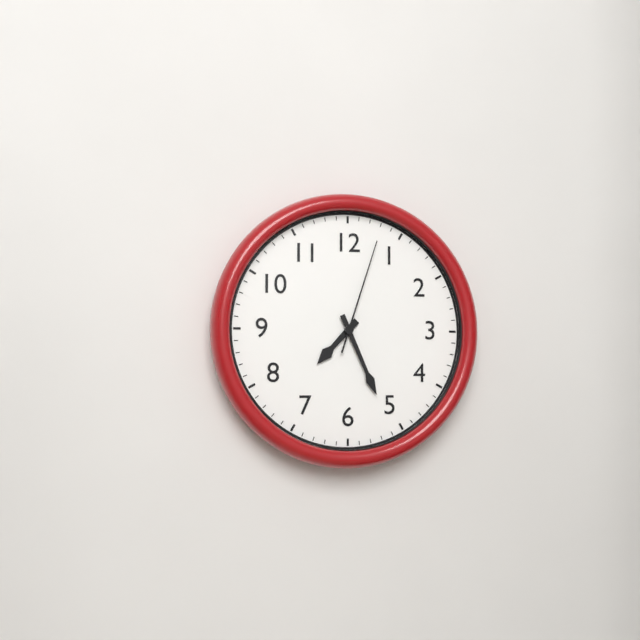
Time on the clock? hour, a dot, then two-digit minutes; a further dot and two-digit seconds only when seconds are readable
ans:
7.26.03
